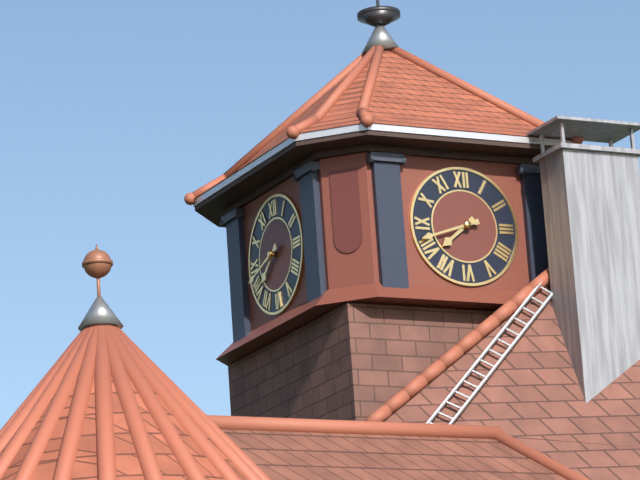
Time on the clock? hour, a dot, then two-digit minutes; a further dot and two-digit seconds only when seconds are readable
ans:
7.42
